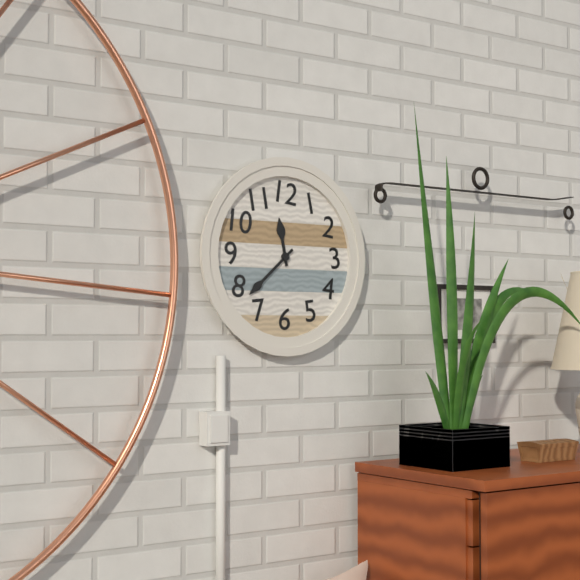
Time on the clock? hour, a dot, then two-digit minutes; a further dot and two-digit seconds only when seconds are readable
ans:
11.38
